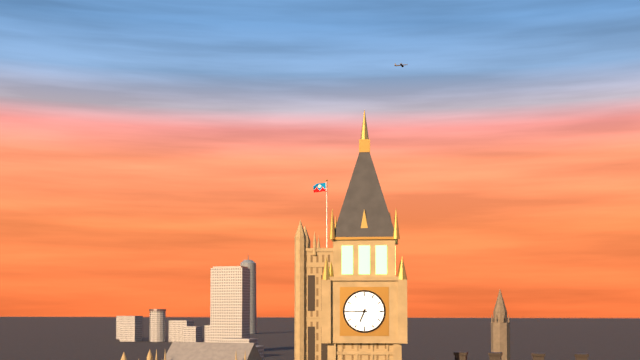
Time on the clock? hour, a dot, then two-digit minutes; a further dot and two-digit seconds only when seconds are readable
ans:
6.45
